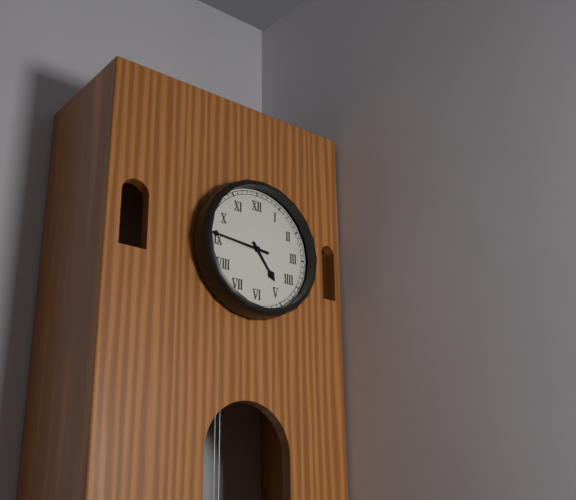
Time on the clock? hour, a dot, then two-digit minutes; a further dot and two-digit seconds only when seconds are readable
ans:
4.46
